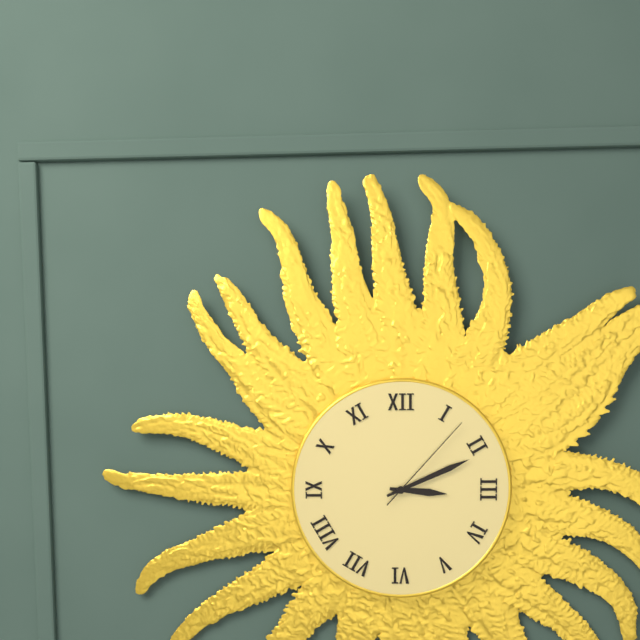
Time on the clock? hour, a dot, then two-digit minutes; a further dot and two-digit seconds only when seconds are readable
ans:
3.11.07
